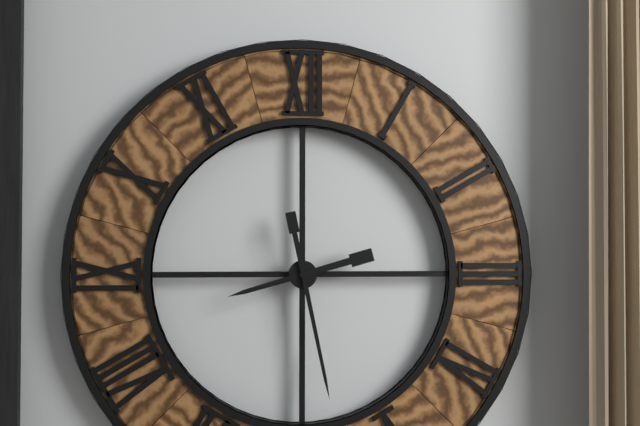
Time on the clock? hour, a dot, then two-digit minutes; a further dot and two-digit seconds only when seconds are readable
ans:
8.28
